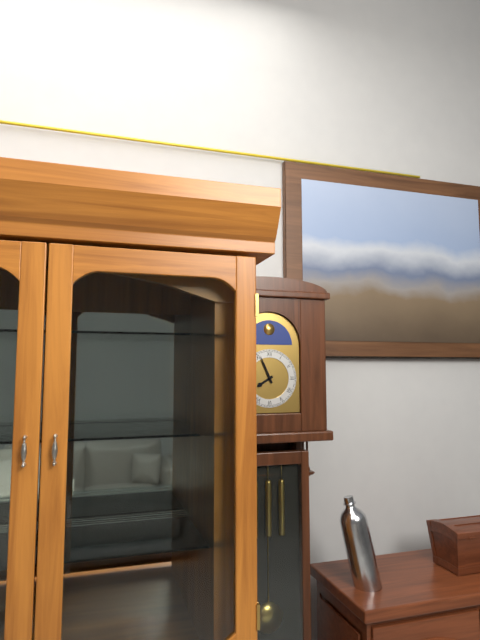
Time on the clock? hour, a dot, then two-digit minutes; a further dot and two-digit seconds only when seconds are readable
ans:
7.56
